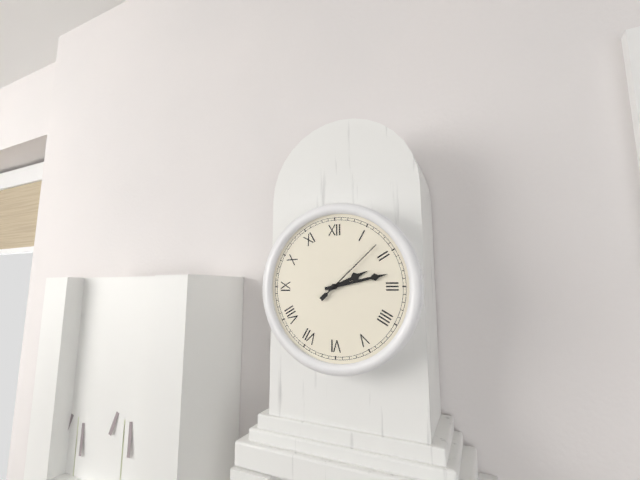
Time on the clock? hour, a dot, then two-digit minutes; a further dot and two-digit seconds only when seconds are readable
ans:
2.13.08
